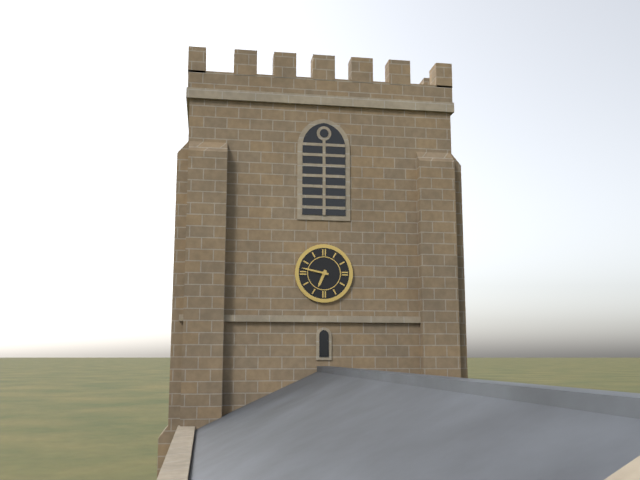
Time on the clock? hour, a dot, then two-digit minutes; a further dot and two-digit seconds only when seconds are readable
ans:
6.47
